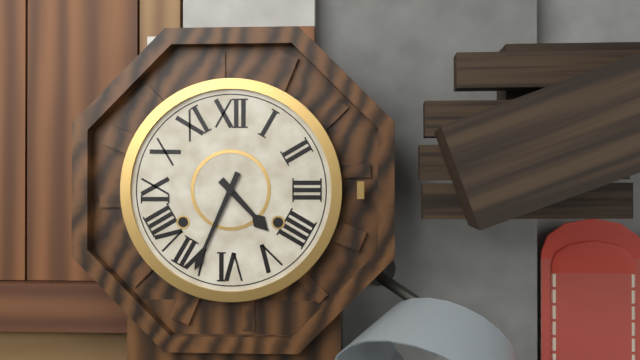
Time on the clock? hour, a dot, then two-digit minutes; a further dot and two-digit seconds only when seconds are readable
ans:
4.34
